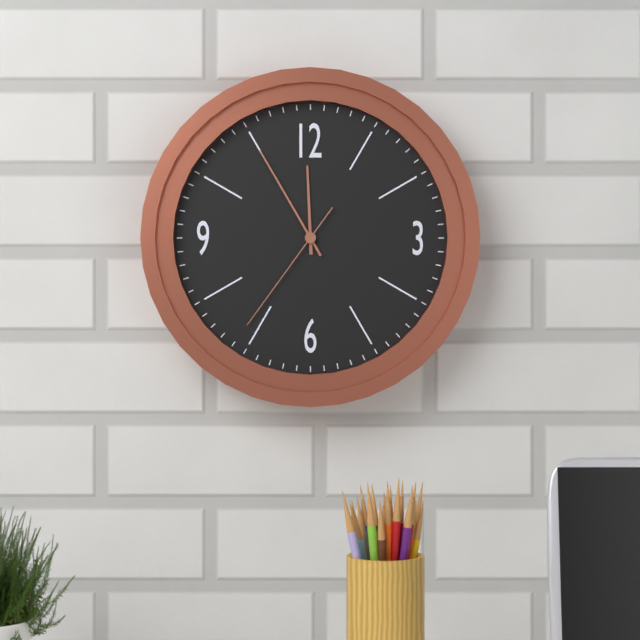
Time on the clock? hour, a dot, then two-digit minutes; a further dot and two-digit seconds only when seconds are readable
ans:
11.55.36
